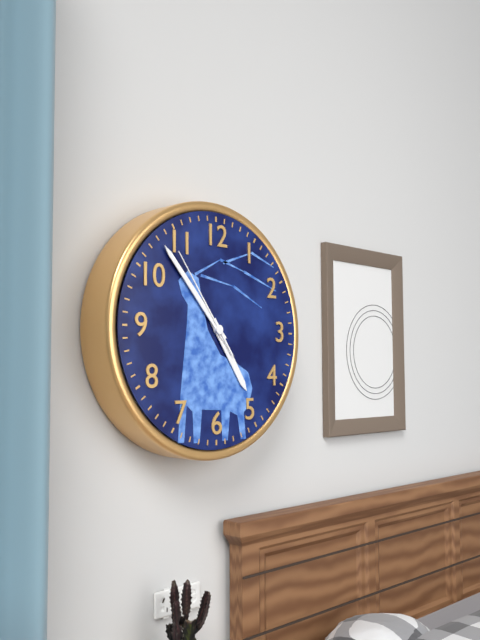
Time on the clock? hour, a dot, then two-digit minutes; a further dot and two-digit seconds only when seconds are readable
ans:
4.53.54
